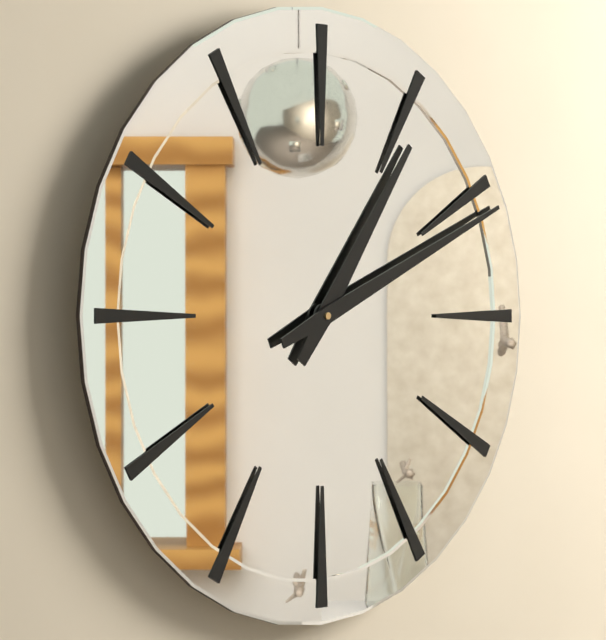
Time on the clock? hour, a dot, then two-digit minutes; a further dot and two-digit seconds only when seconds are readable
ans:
1.11
